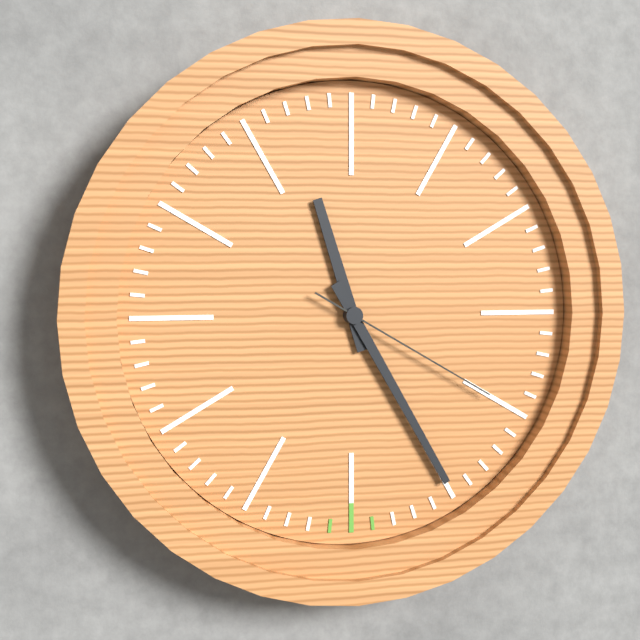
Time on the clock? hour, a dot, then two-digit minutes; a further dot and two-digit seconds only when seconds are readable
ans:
11.25.20
